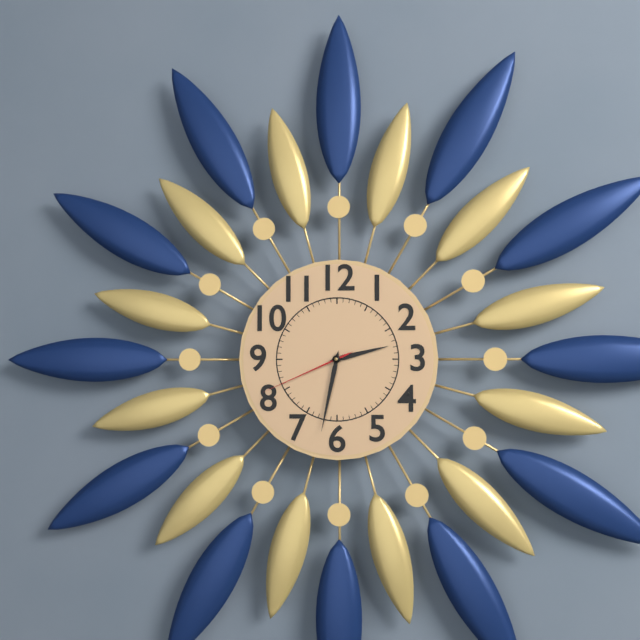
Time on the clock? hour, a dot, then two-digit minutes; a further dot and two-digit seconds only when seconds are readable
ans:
2.32.41
